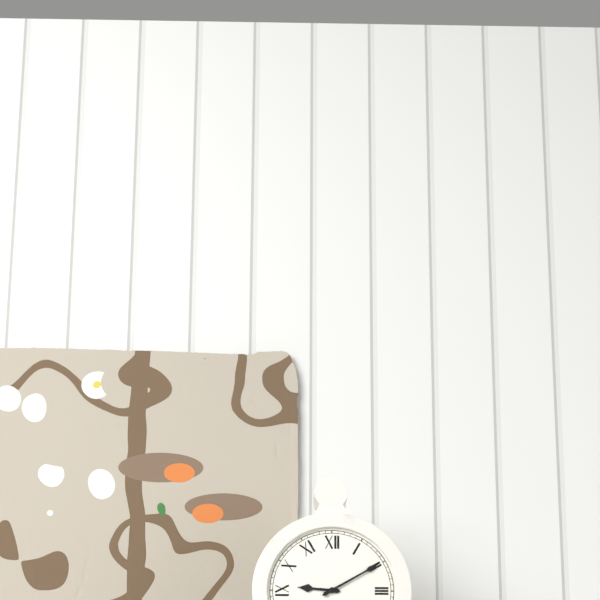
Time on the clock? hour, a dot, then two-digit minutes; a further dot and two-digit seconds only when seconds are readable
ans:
9.10
